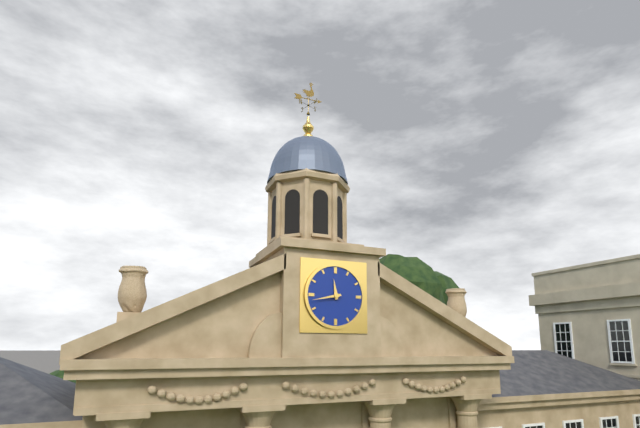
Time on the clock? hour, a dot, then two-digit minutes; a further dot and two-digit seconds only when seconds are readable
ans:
11.43
